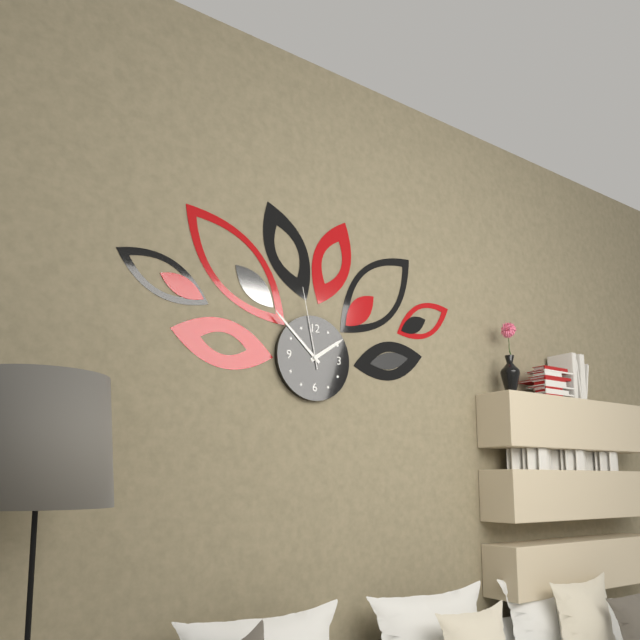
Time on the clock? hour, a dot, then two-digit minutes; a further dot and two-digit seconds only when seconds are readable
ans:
1.52.58
